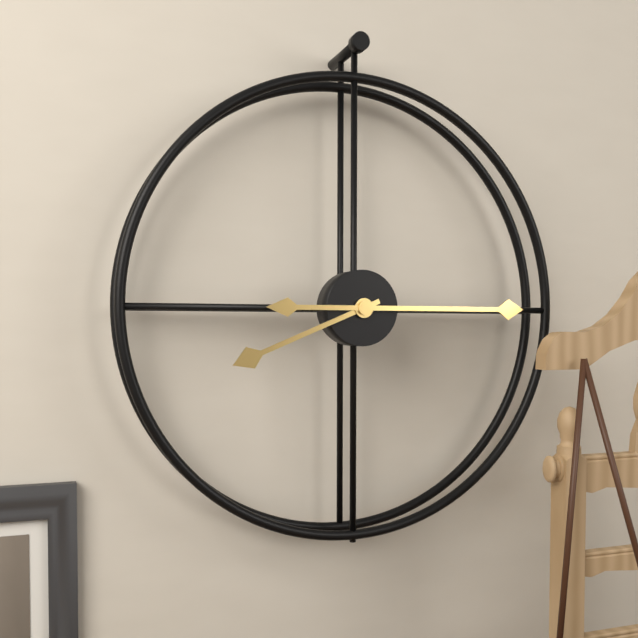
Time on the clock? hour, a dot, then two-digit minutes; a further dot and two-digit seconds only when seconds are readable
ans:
8.15
